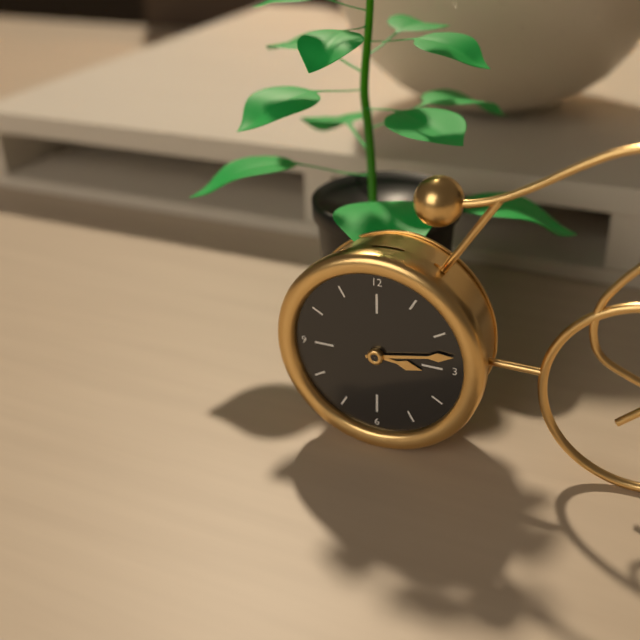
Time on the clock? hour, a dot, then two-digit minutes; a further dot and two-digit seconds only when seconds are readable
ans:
3.13
